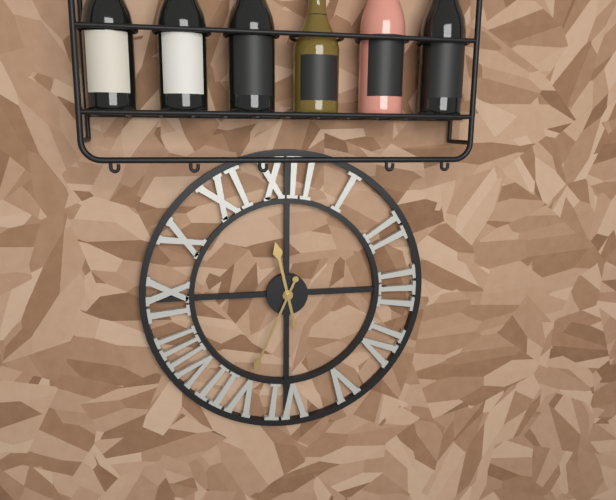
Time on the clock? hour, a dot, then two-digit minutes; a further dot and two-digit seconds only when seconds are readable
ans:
11.34
